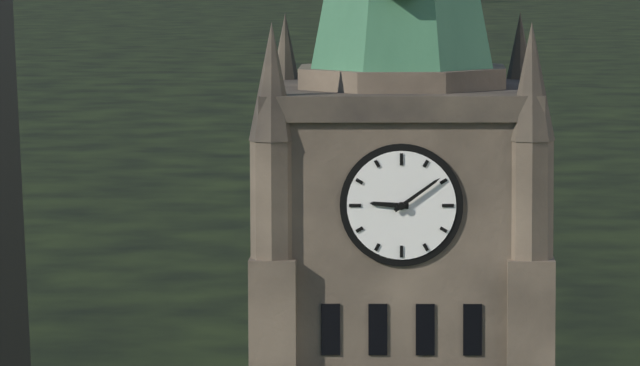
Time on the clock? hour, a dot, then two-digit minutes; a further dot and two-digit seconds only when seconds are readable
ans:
9.09
